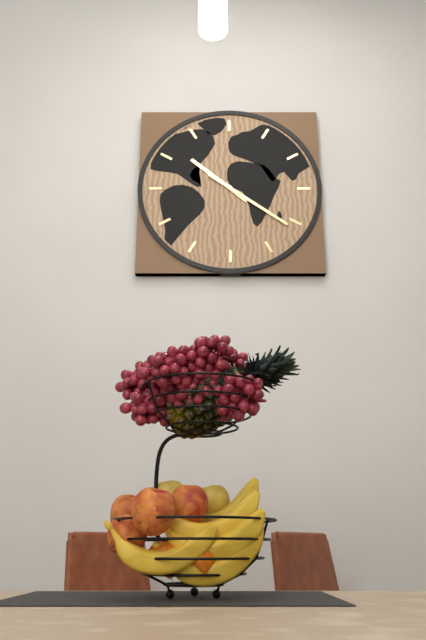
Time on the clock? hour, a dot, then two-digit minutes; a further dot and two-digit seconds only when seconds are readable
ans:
10.21
